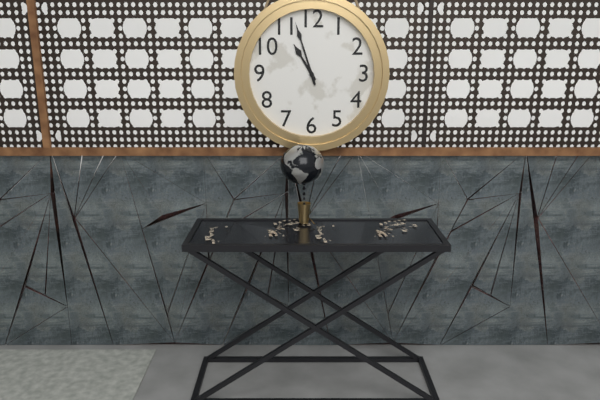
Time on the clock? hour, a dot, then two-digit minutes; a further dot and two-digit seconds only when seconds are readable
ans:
10.57
